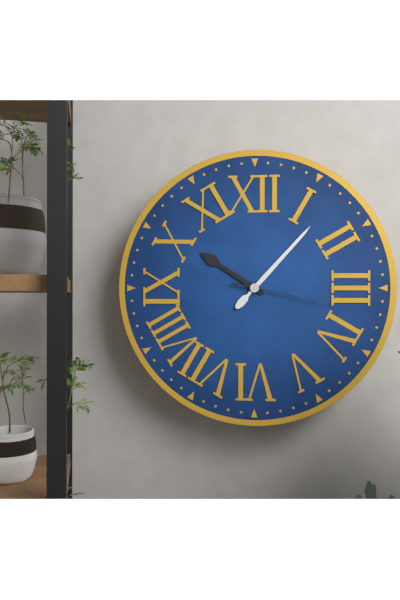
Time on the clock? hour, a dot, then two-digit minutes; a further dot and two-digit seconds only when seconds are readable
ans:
10.07.17
